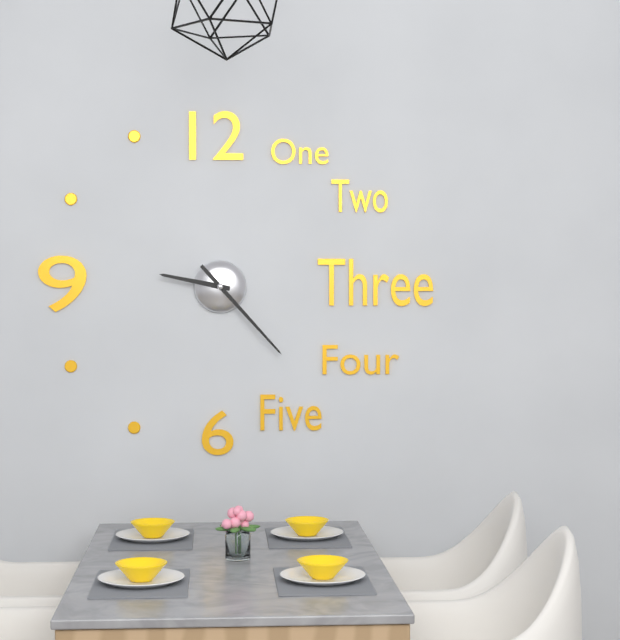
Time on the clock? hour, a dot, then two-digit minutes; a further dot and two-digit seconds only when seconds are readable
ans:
9.23
